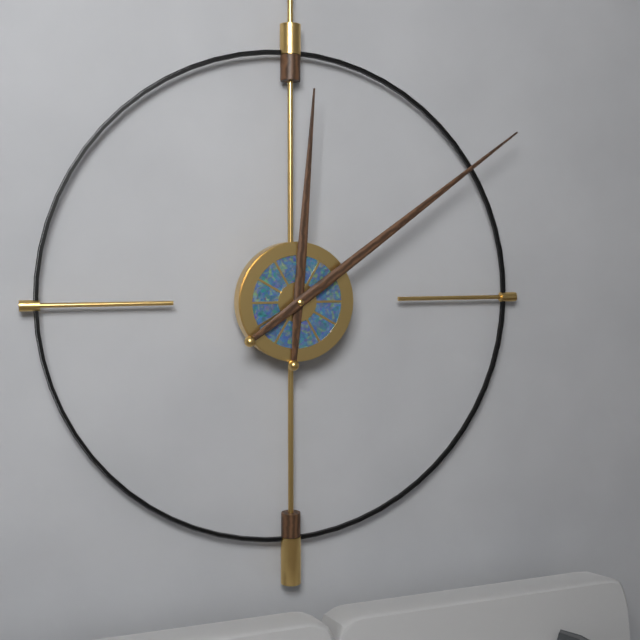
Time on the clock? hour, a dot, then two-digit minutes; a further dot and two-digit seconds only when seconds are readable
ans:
12.09
